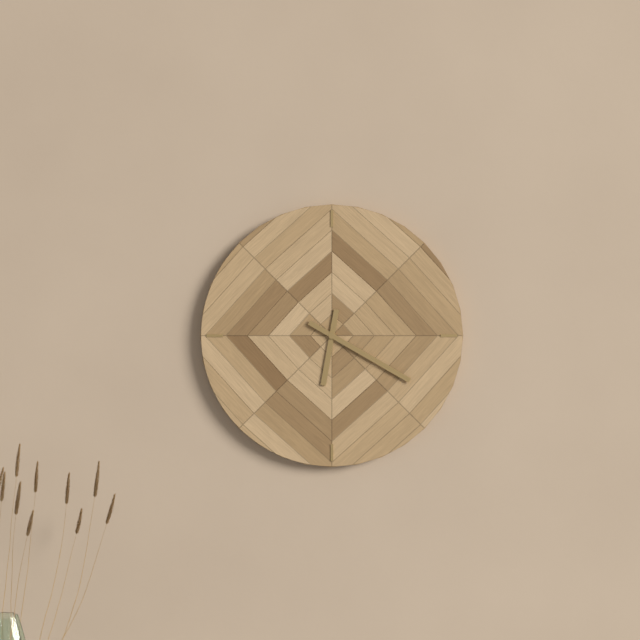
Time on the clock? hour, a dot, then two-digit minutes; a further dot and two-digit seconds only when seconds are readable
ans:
6.20
